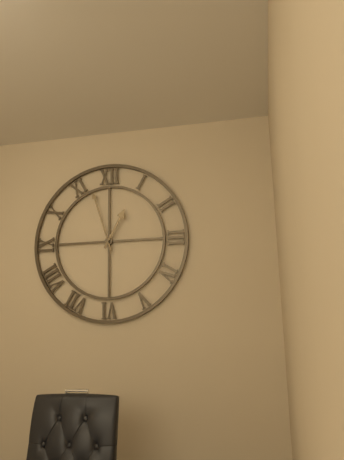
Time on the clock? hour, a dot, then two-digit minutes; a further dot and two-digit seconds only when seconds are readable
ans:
12.57
